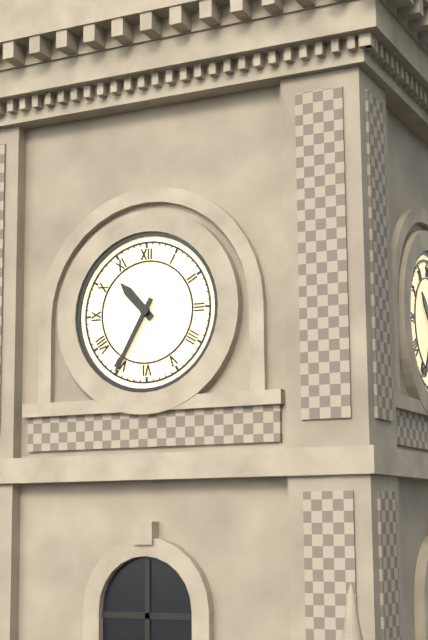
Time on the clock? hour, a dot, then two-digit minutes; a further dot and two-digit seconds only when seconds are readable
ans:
10.35
